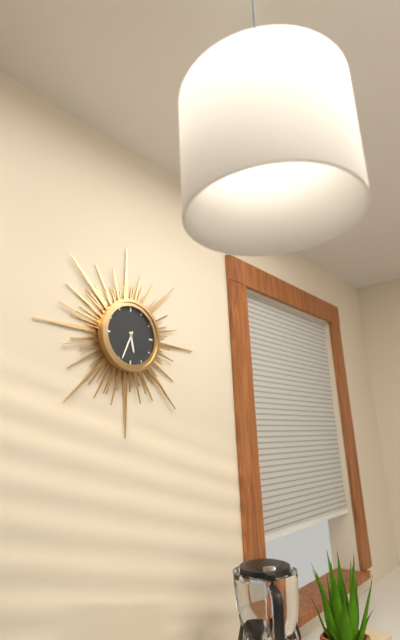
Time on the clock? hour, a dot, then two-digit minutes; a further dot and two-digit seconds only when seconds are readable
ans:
5.34
